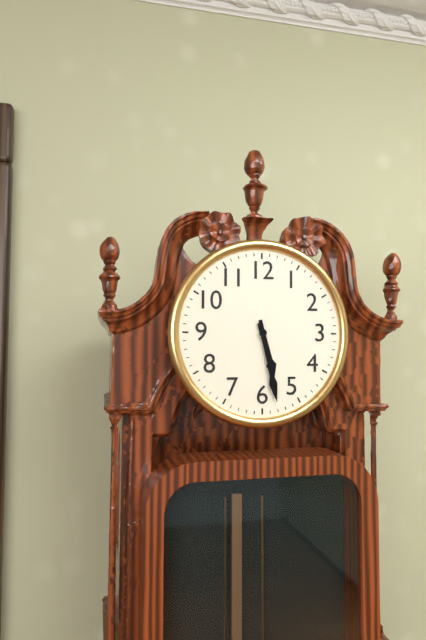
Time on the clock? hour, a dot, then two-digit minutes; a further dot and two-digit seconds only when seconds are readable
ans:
5.28
